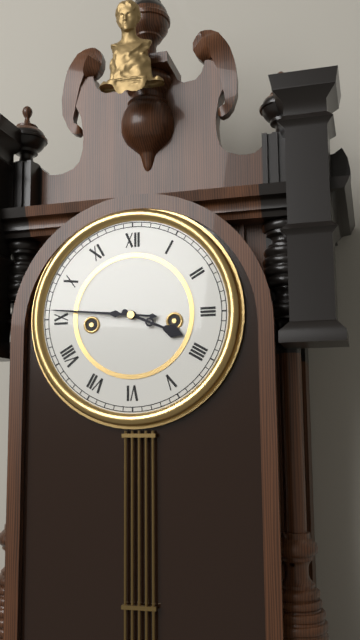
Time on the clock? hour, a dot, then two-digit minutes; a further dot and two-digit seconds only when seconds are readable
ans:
3.46
